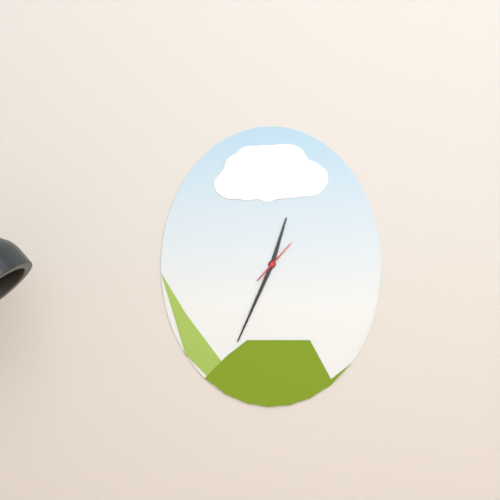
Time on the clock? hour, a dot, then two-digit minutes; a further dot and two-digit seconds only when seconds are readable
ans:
12.34
